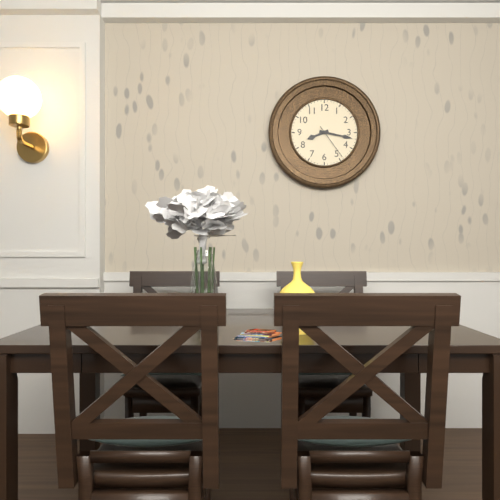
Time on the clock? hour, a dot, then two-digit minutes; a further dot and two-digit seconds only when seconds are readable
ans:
8.17
